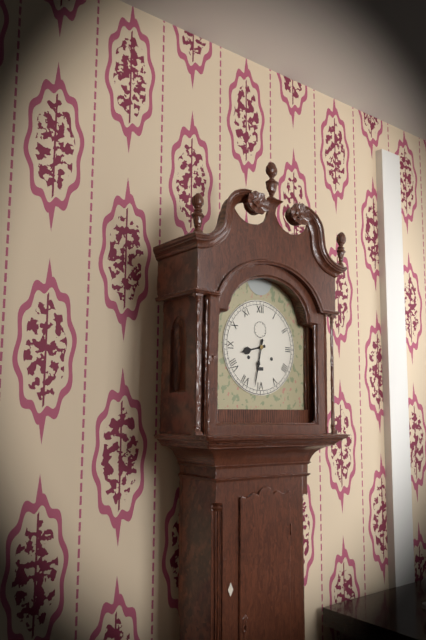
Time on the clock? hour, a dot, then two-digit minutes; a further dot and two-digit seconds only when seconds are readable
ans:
8.32
